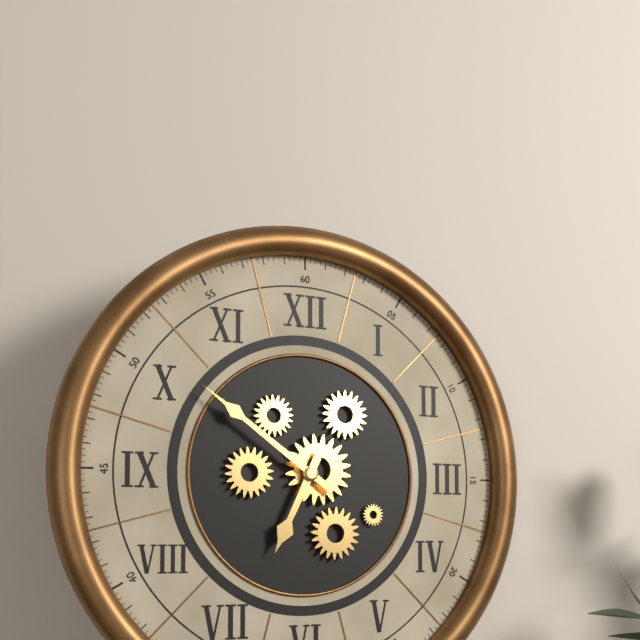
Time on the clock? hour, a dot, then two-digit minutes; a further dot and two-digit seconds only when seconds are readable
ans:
6.51
